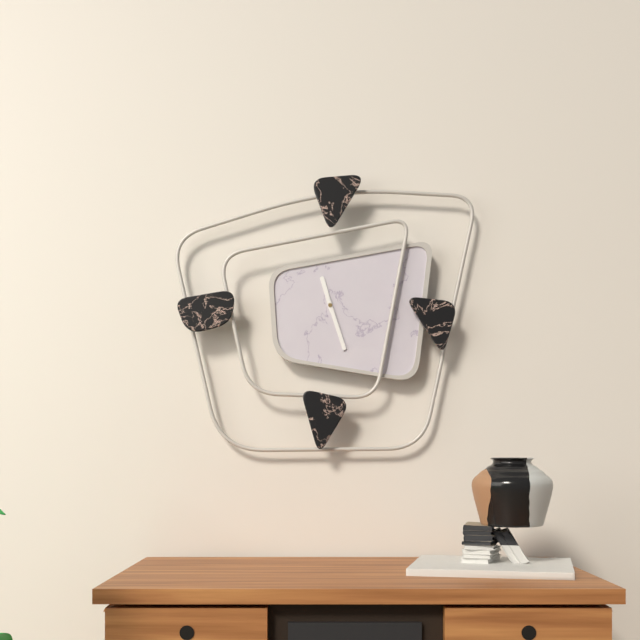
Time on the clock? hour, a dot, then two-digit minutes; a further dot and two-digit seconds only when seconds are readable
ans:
11.27
